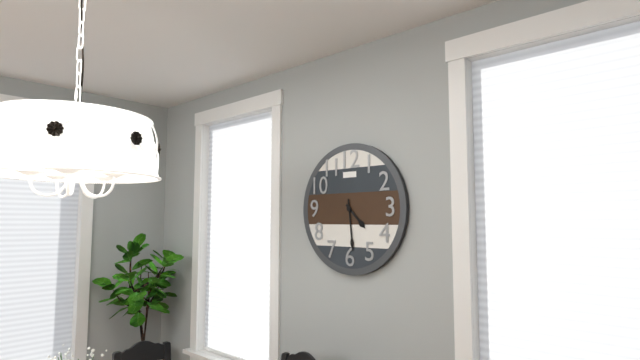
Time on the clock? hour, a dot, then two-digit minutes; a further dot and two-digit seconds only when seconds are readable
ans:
4.29
